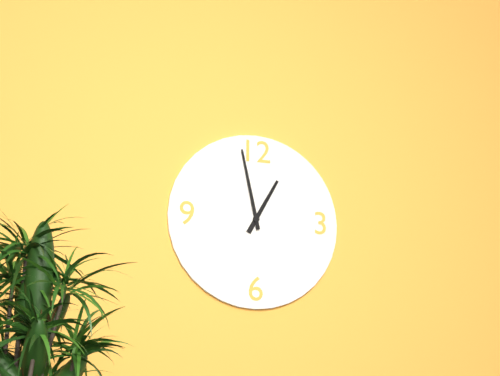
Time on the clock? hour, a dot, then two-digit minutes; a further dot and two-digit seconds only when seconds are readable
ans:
12.58
